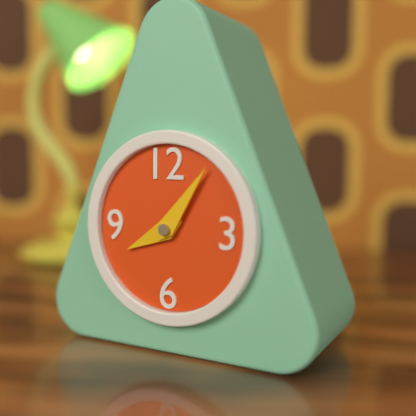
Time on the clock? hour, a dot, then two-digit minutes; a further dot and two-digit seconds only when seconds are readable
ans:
8.06
